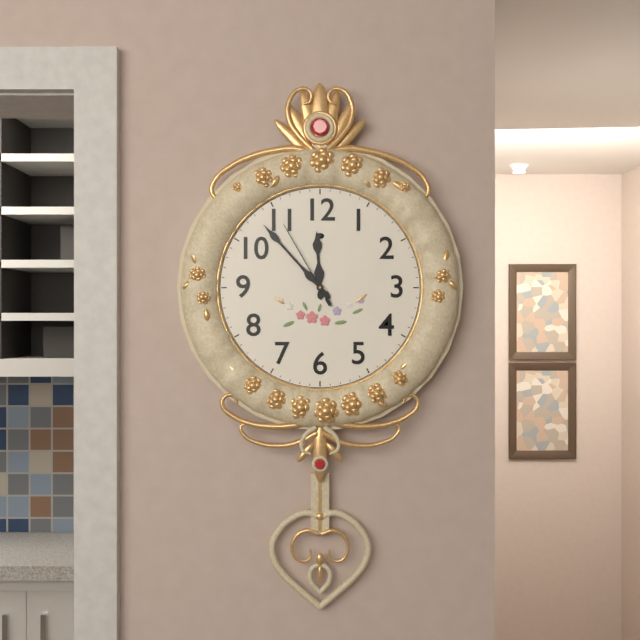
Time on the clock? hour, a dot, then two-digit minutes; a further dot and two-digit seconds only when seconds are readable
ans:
11.53.55
